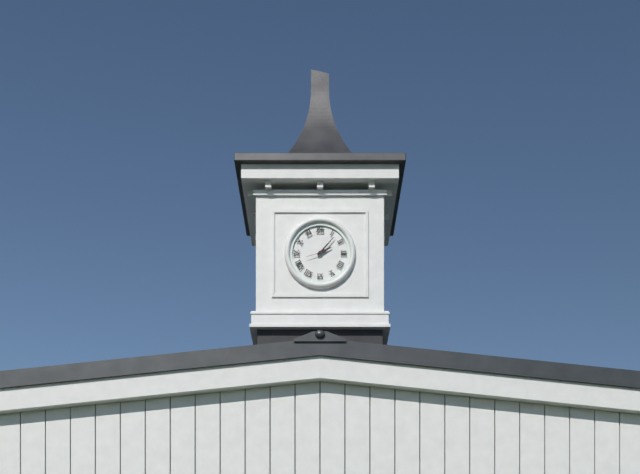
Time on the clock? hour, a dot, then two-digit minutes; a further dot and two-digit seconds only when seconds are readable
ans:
2.07
